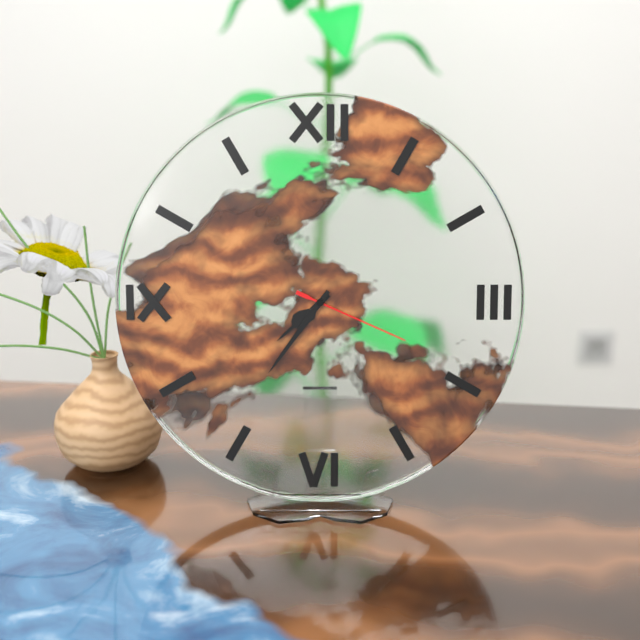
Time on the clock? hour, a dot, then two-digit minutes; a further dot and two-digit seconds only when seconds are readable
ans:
7.36.19
